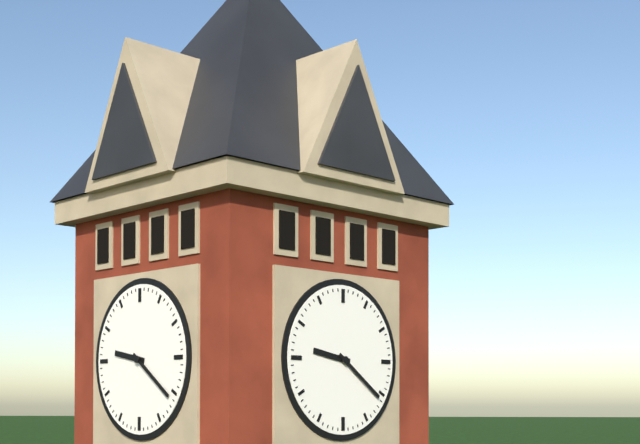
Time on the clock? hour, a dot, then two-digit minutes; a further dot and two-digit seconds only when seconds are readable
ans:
9.21
